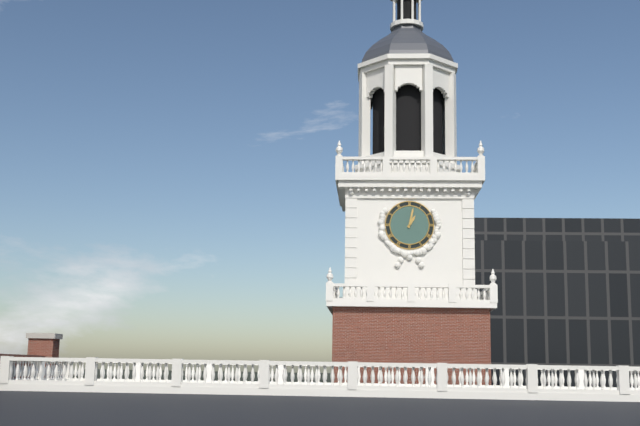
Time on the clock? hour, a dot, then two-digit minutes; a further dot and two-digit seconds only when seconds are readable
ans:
1.02
